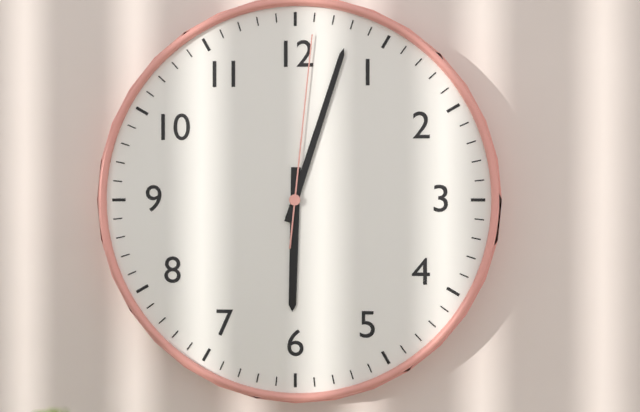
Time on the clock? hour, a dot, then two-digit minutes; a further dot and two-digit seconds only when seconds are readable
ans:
6.03.01
